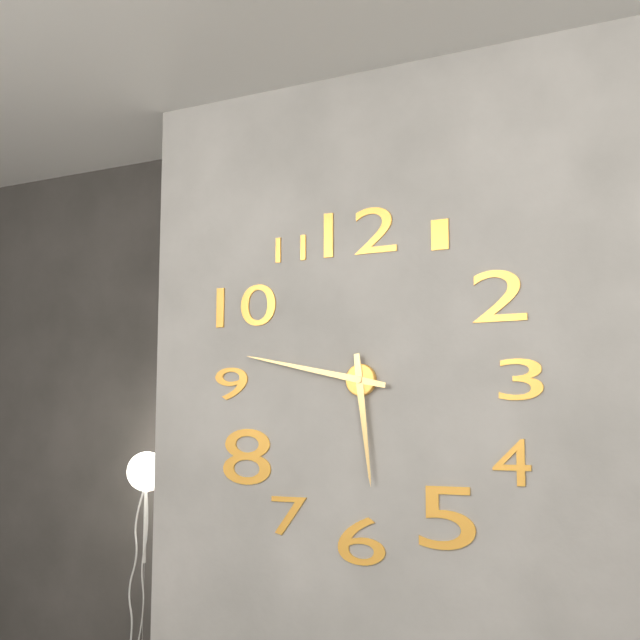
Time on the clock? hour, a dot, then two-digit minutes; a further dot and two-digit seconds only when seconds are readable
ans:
5.47
